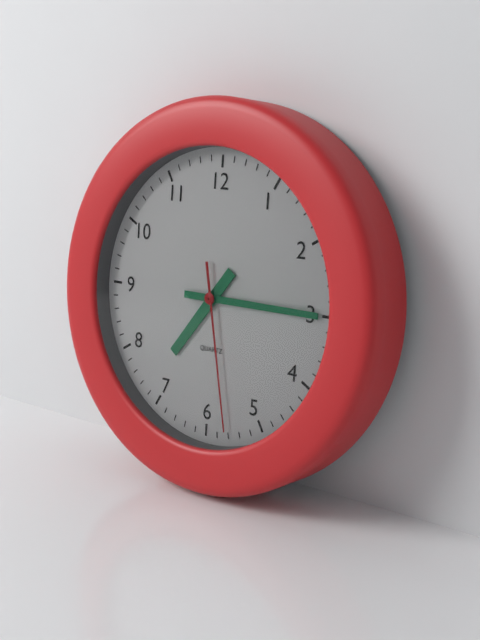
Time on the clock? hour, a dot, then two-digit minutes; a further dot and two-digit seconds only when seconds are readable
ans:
7.15.28
